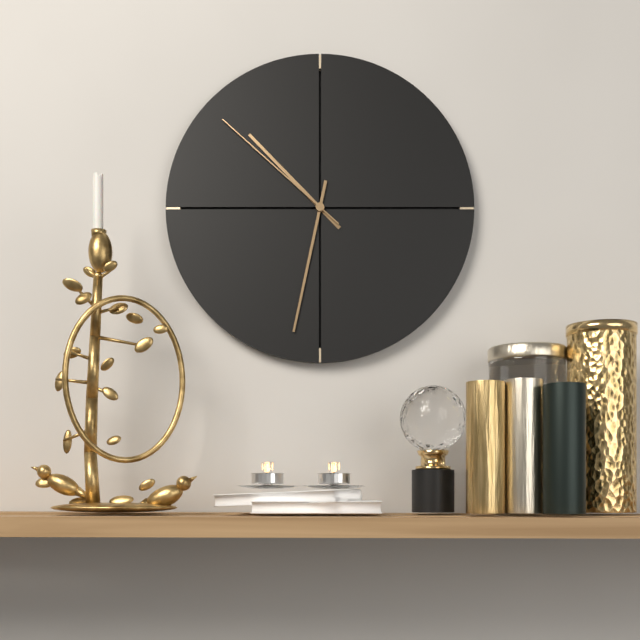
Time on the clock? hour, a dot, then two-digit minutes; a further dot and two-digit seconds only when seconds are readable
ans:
10.32.52
